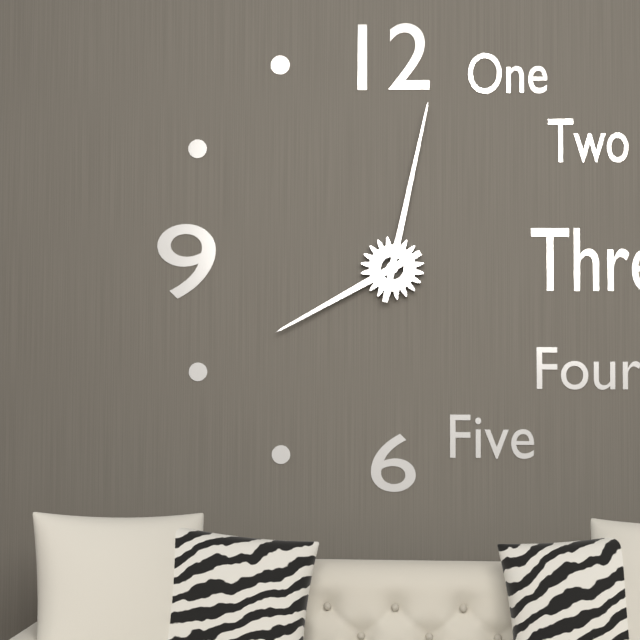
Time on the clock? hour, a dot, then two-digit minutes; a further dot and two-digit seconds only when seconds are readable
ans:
8.02
